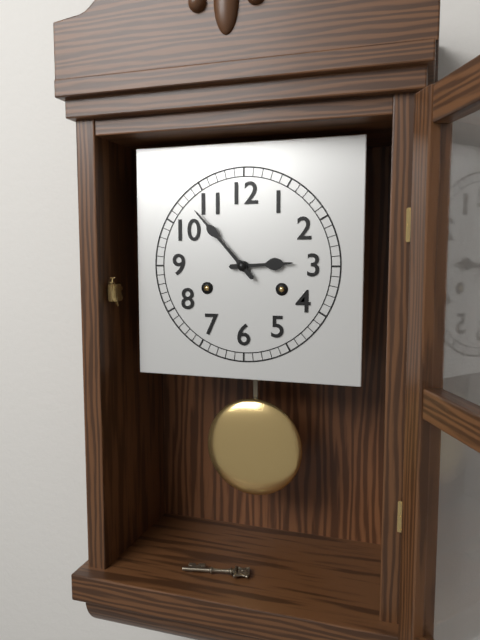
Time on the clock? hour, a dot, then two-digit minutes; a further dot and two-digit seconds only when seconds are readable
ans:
2.53
